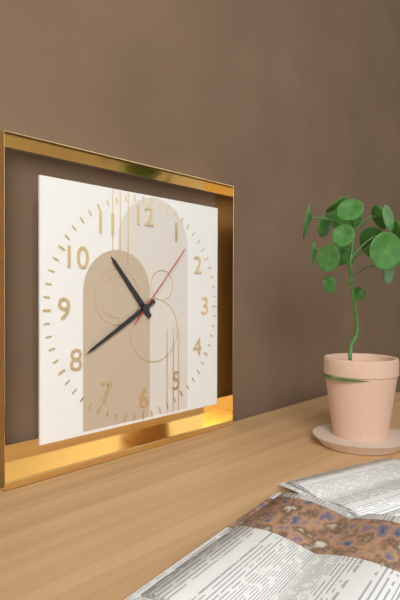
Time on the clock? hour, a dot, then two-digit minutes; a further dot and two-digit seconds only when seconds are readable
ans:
10.40.07
